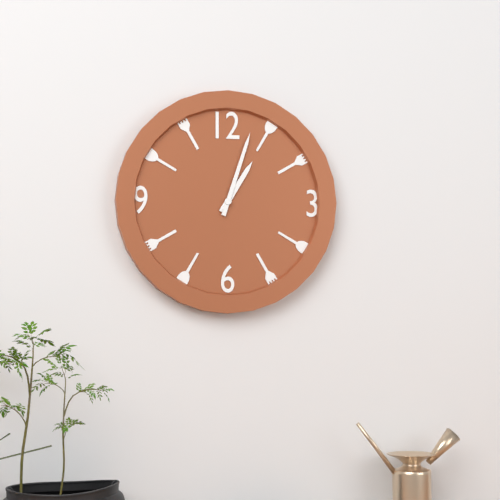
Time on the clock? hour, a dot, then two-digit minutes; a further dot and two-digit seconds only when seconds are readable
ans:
1.03
